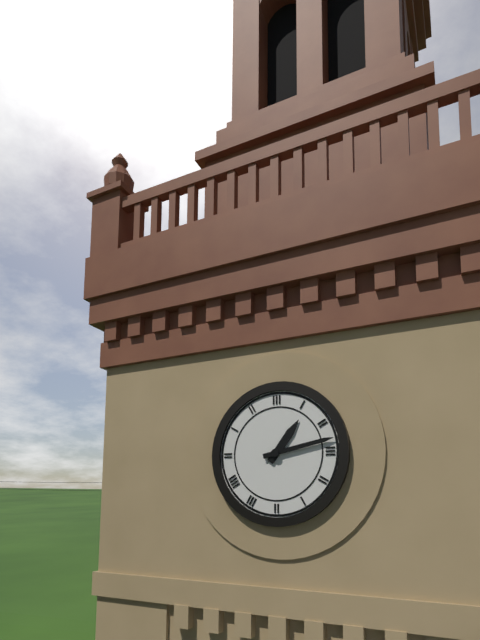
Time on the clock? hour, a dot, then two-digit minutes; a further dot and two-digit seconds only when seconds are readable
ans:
1.13
